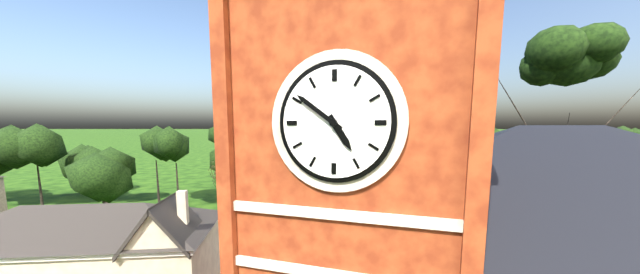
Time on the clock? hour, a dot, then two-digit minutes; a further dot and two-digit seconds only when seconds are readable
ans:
4.51
